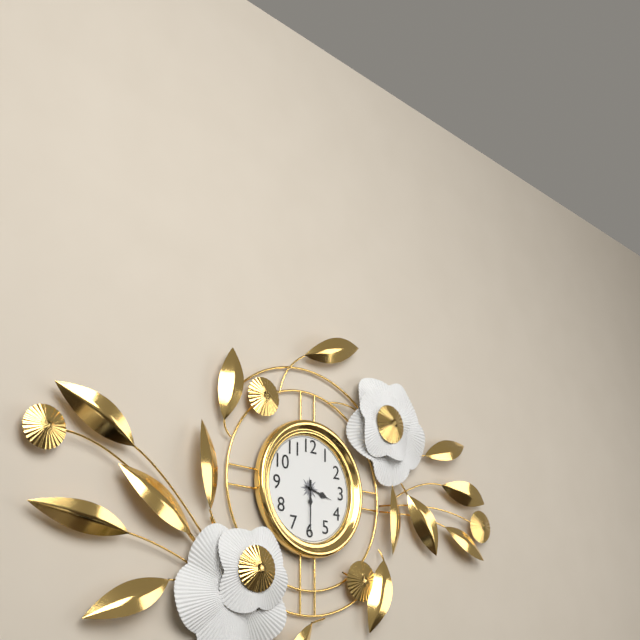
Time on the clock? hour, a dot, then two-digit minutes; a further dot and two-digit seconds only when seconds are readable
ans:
3.30
